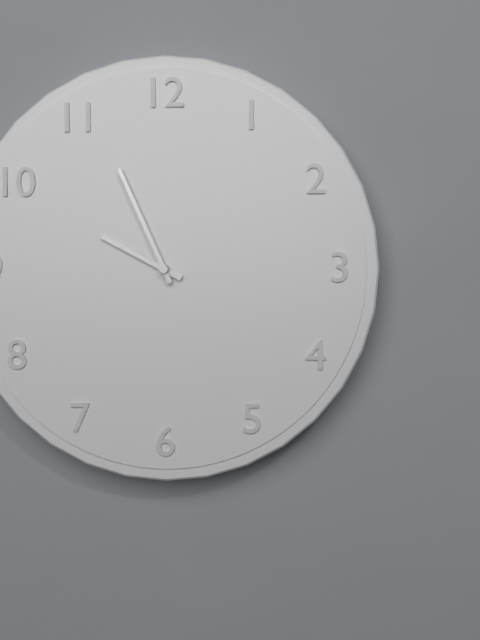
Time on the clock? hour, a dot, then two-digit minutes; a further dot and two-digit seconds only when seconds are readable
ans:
9.56
